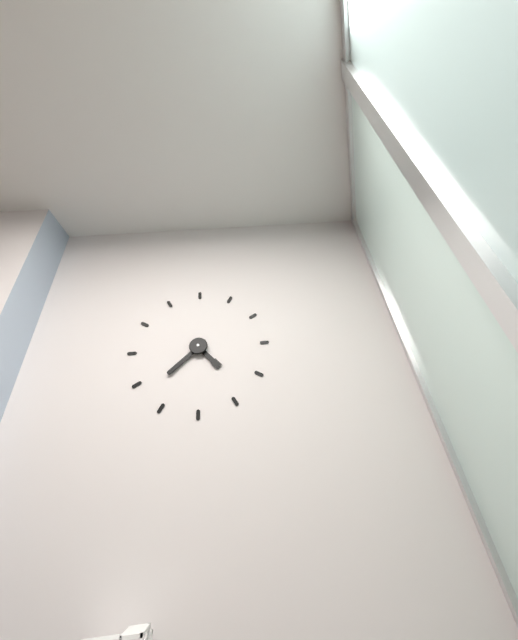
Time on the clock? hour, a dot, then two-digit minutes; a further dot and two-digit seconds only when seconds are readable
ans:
4.38
